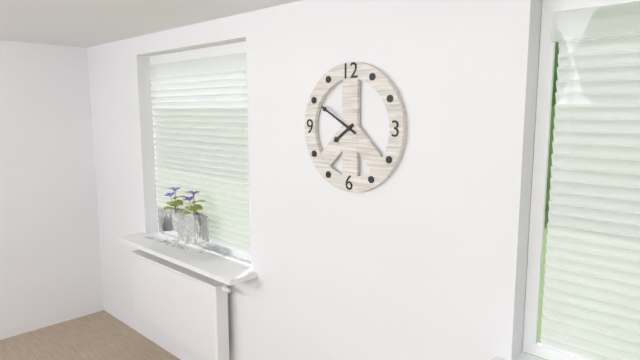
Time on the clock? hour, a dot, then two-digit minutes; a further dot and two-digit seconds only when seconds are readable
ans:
7.50
